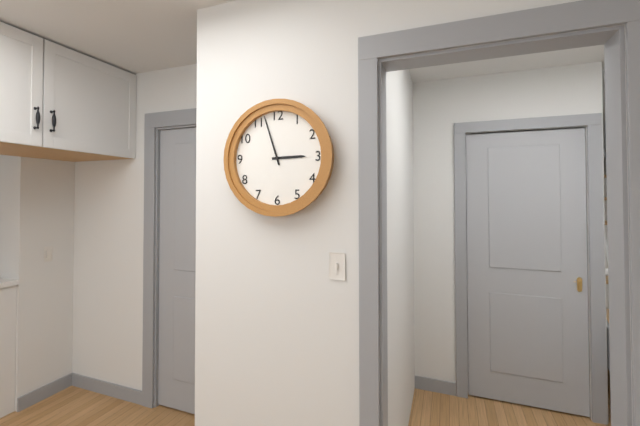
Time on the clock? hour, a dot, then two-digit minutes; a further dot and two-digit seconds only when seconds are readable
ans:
2.57
